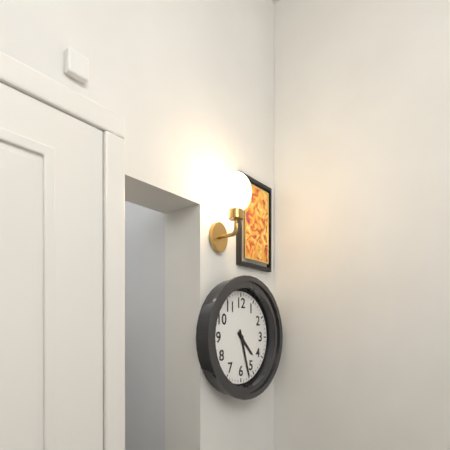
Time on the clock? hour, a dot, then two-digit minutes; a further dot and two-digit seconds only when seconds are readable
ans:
4.27
